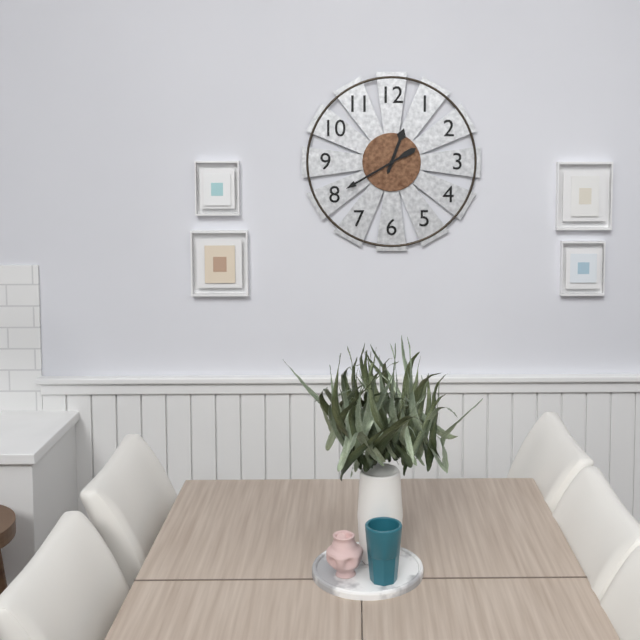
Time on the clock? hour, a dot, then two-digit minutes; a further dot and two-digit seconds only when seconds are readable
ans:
12.40
